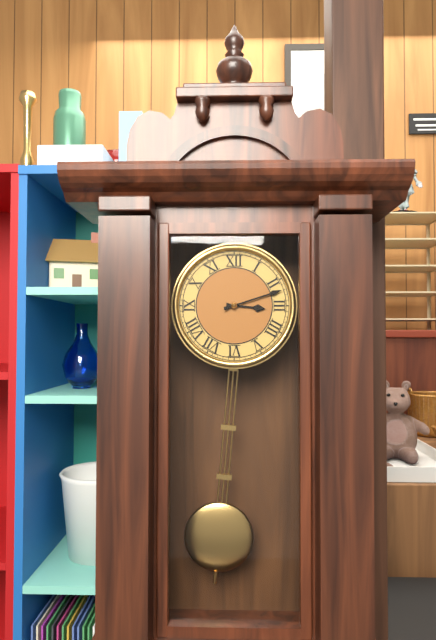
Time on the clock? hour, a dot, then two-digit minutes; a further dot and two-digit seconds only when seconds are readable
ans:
3.12
